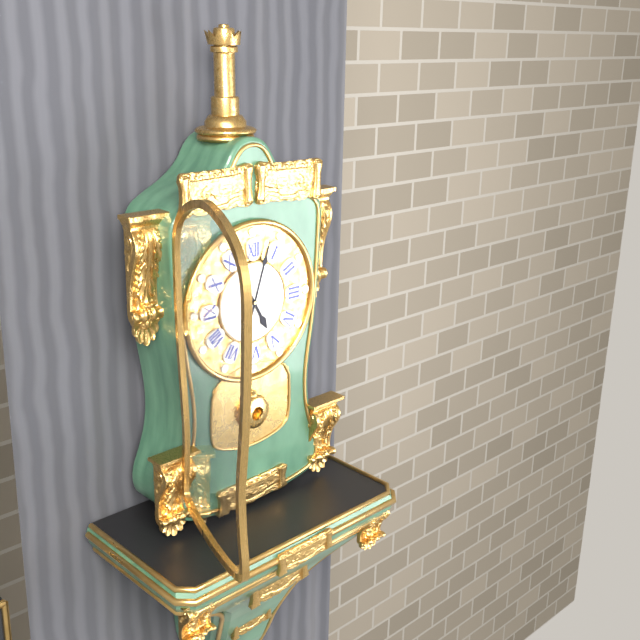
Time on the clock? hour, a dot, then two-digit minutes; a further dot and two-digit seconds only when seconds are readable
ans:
5.03
